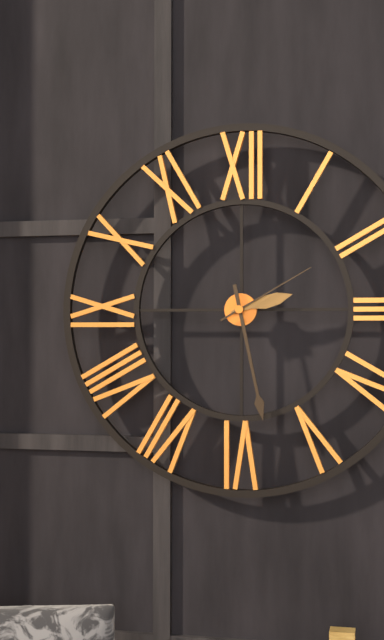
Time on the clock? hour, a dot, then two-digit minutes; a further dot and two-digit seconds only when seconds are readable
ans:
2.28.10
